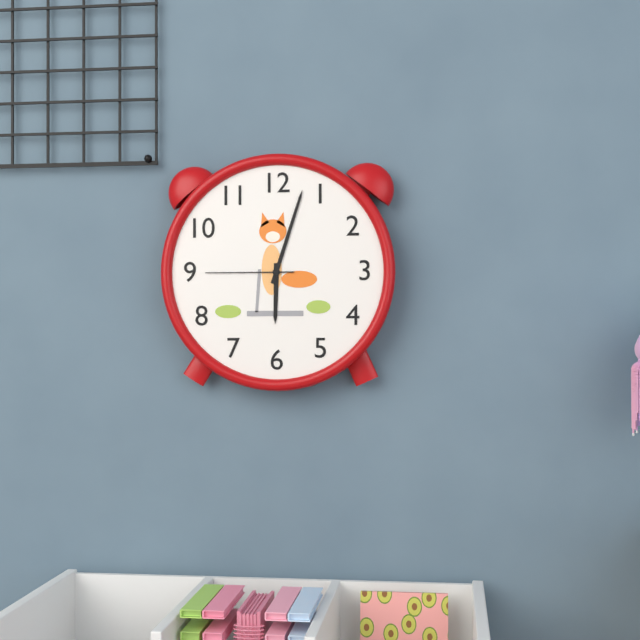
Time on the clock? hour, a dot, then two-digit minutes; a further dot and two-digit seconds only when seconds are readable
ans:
6.03.45
